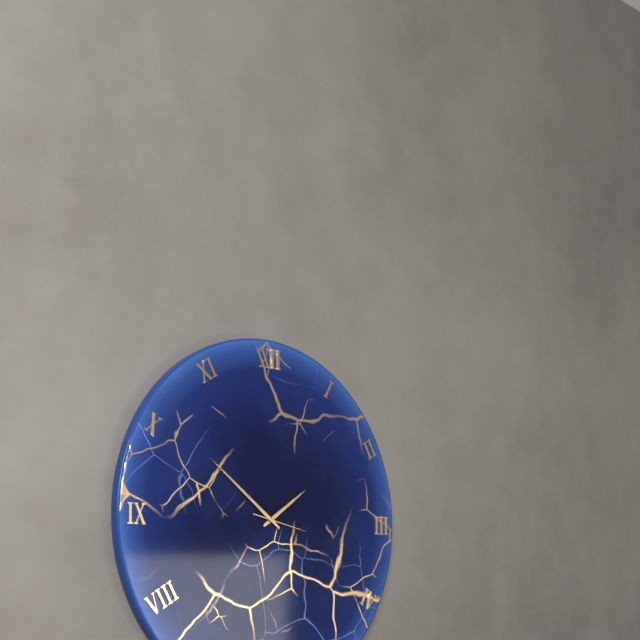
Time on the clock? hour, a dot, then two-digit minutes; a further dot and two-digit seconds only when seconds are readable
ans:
1.51
